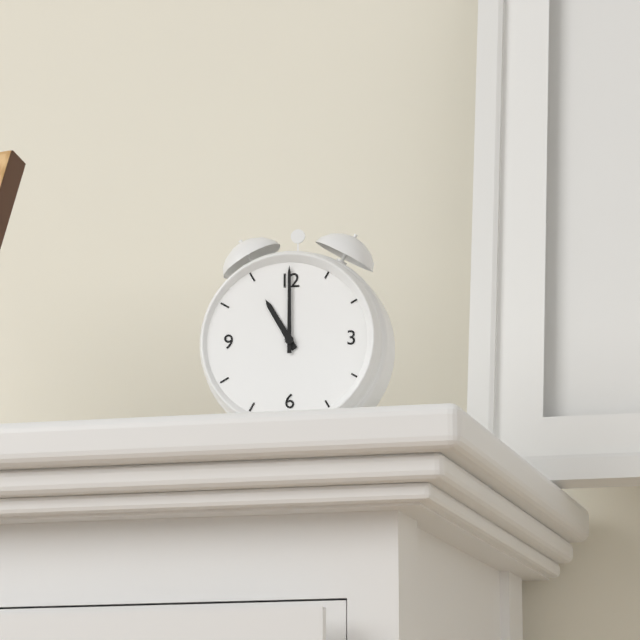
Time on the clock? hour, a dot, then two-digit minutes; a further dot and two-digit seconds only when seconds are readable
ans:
11.00
